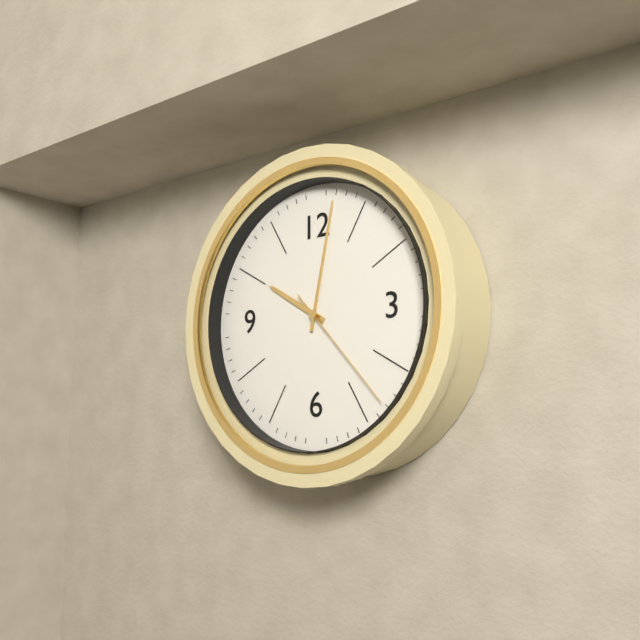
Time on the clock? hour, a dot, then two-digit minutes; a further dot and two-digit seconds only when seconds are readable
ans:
10.02.23
